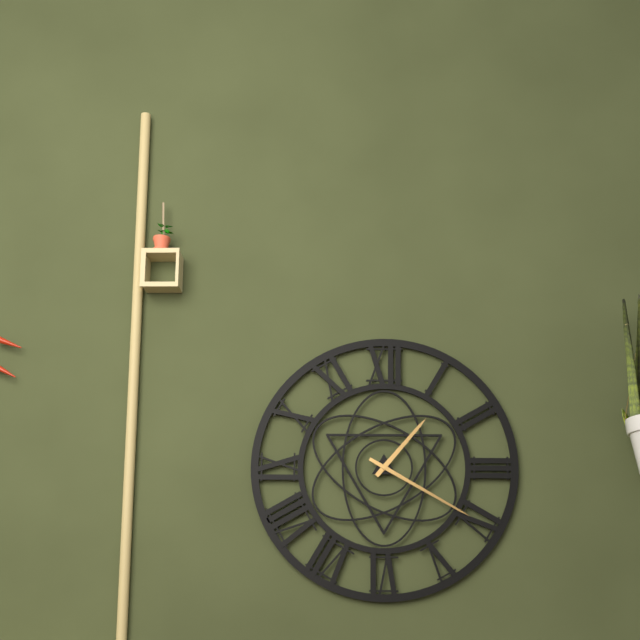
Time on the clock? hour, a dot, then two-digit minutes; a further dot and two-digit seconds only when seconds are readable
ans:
1.20
